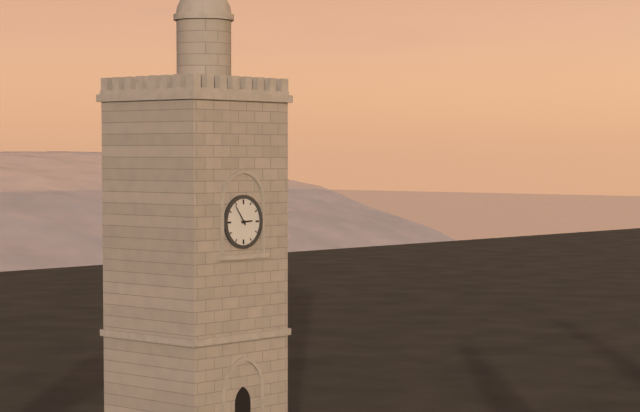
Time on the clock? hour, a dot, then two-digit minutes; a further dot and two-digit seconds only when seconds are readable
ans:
2.54
